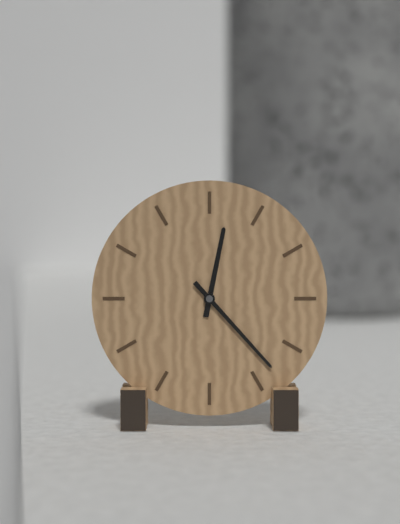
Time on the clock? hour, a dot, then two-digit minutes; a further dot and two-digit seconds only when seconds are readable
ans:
12.23
